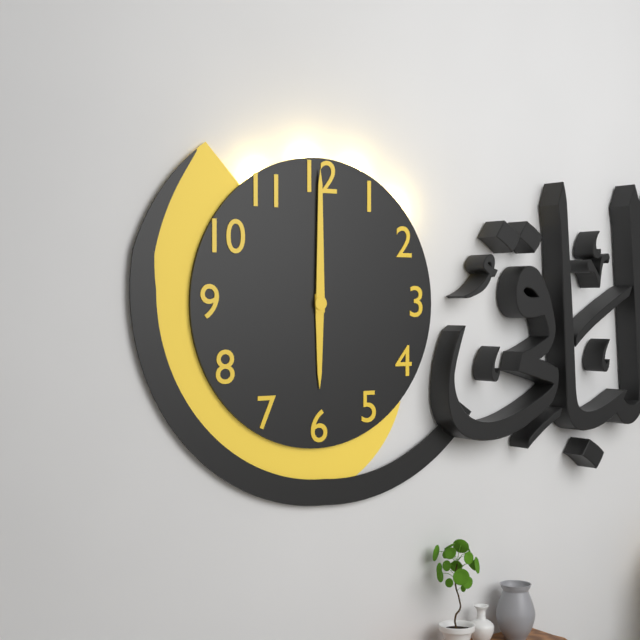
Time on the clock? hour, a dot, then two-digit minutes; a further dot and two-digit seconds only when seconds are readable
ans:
6.00
